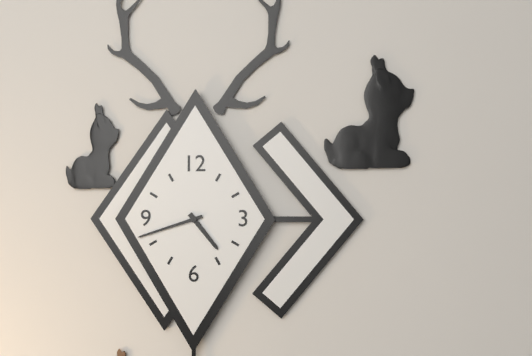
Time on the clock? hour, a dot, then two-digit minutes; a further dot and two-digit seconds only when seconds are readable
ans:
4.42
